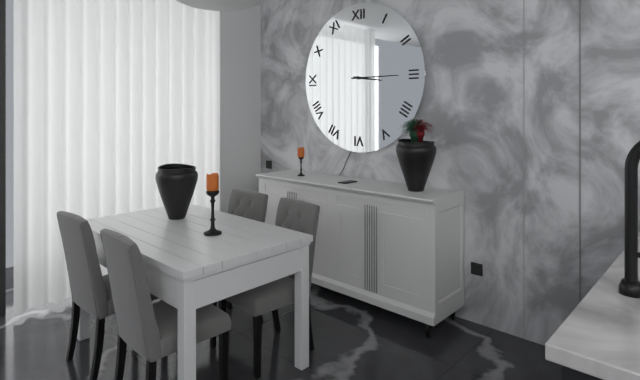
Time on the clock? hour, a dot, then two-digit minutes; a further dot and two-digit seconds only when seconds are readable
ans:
3.15
